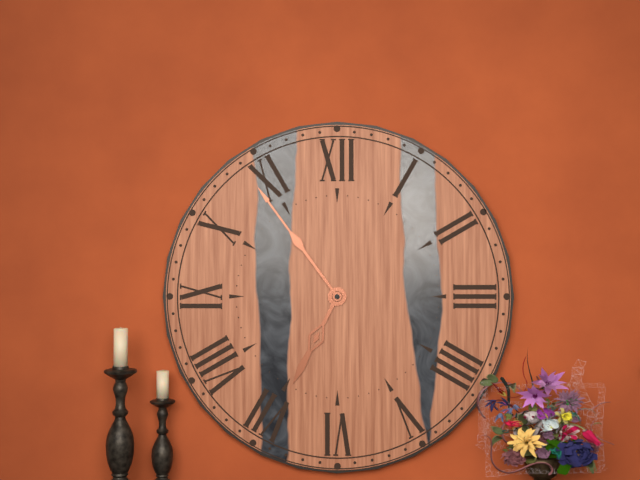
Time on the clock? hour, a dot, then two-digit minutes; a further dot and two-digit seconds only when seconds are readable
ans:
6.54
